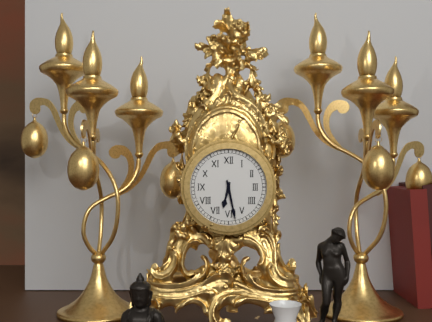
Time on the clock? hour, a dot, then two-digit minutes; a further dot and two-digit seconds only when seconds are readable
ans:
6.28
